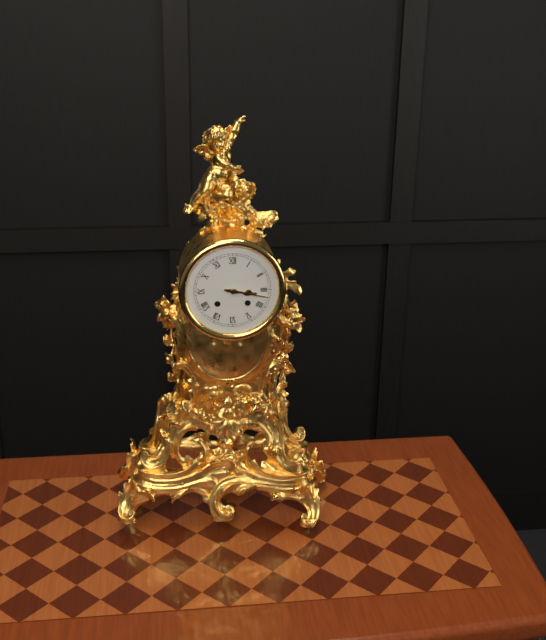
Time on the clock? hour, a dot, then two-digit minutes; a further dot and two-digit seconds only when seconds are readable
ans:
3.17
